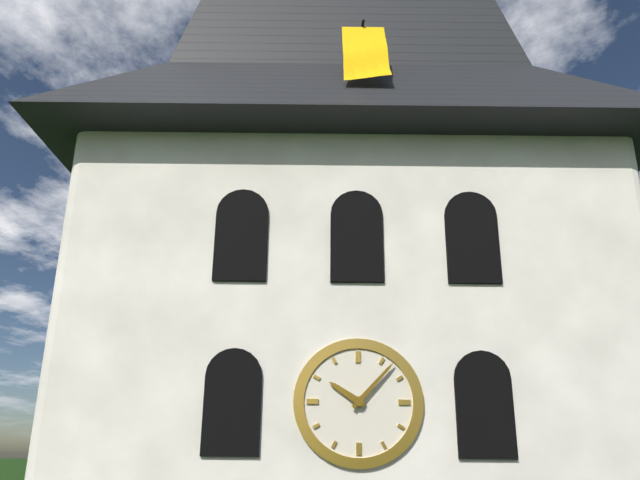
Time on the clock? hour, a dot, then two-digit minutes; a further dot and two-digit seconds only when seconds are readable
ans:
10.07
